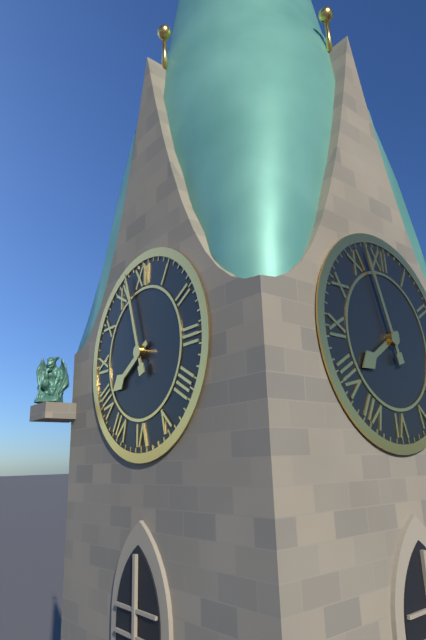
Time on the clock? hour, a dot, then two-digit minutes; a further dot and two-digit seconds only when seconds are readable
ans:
7.57
